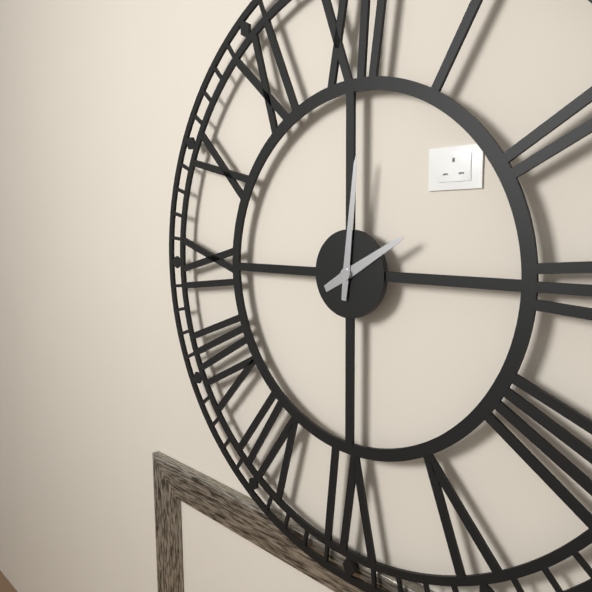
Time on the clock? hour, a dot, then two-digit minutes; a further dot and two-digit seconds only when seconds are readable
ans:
2.01
